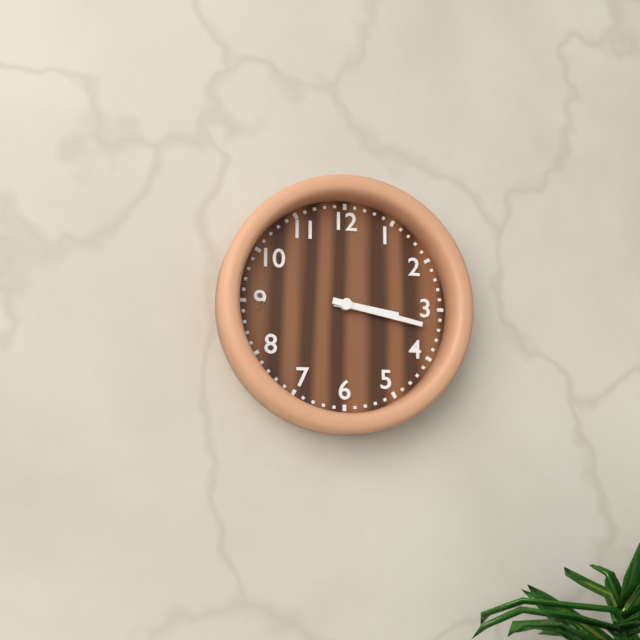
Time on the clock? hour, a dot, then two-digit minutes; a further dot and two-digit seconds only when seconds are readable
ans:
3.17
